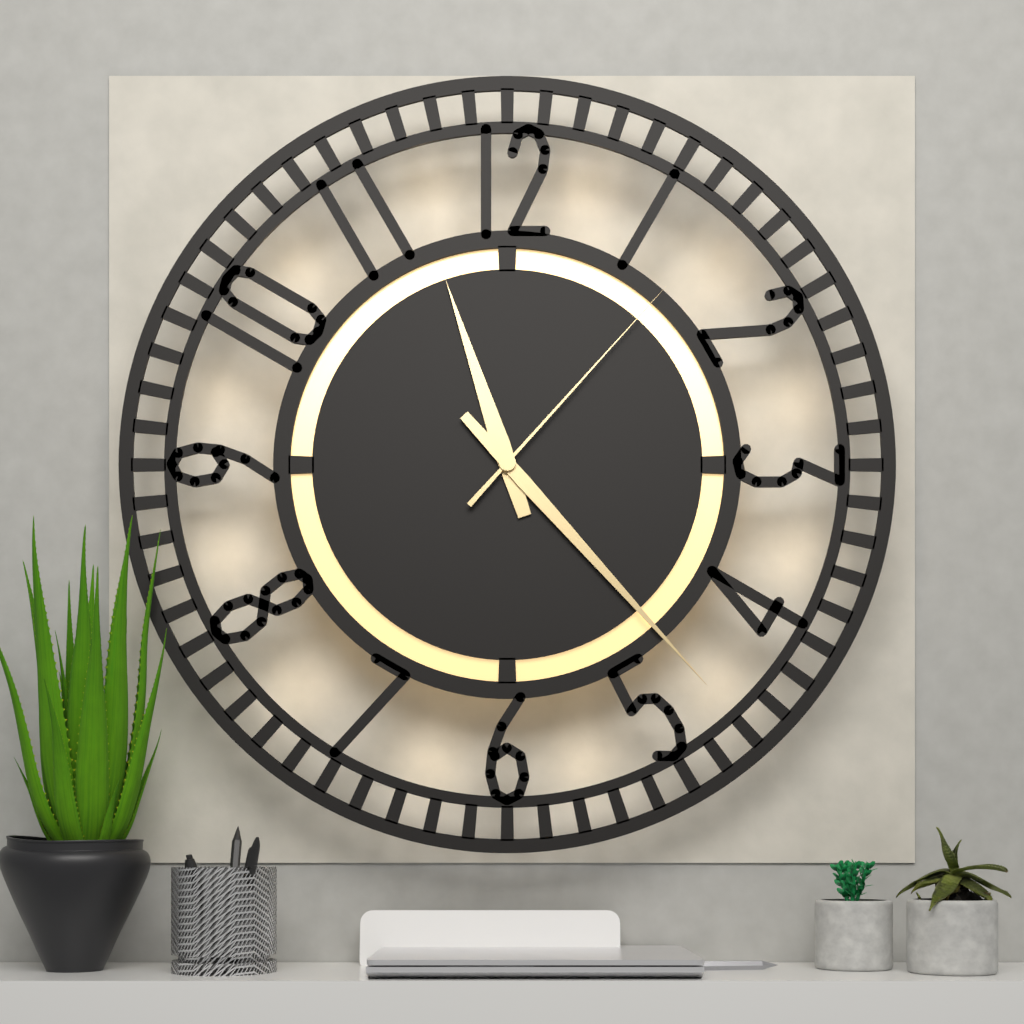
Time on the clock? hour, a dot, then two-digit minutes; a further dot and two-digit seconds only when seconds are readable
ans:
11.23.07
